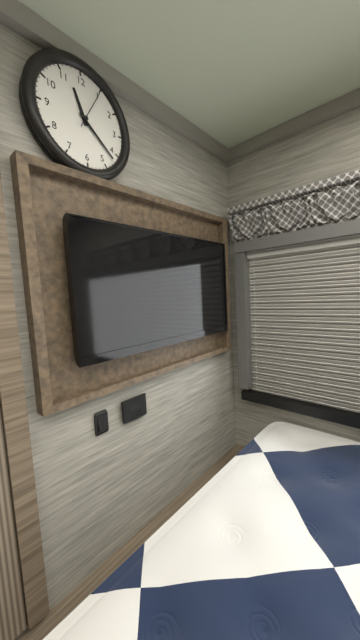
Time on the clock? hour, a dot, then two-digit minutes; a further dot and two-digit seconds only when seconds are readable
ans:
11.22
